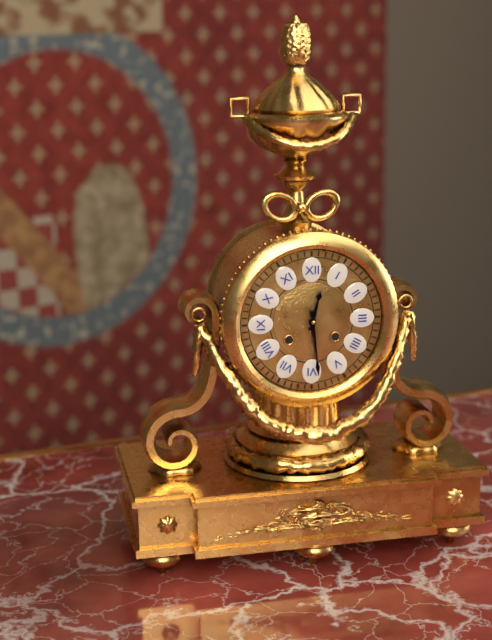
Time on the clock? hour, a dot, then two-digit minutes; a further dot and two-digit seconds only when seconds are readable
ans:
12.29
